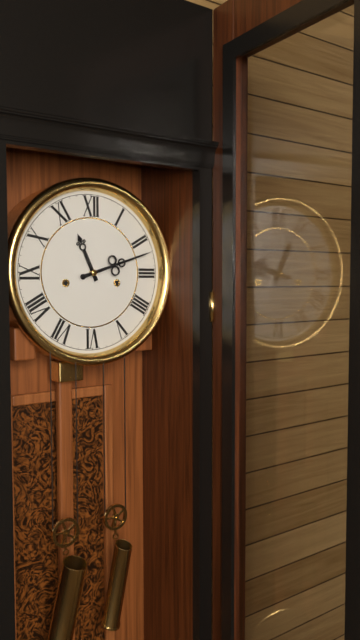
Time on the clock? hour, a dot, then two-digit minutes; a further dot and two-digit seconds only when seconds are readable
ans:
11.12
